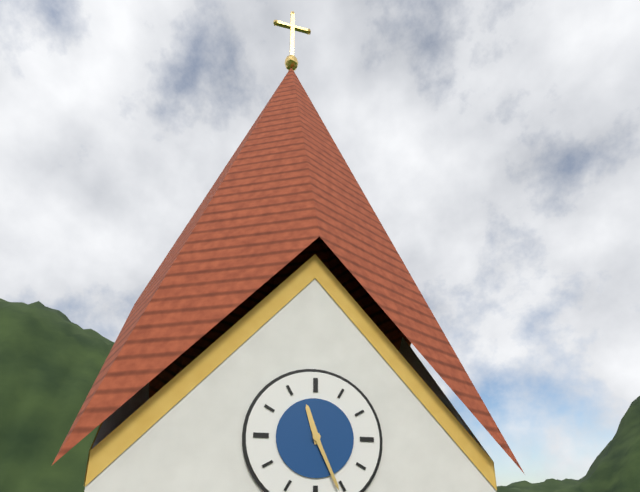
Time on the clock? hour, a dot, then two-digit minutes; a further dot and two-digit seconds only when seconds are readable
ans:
11.26
